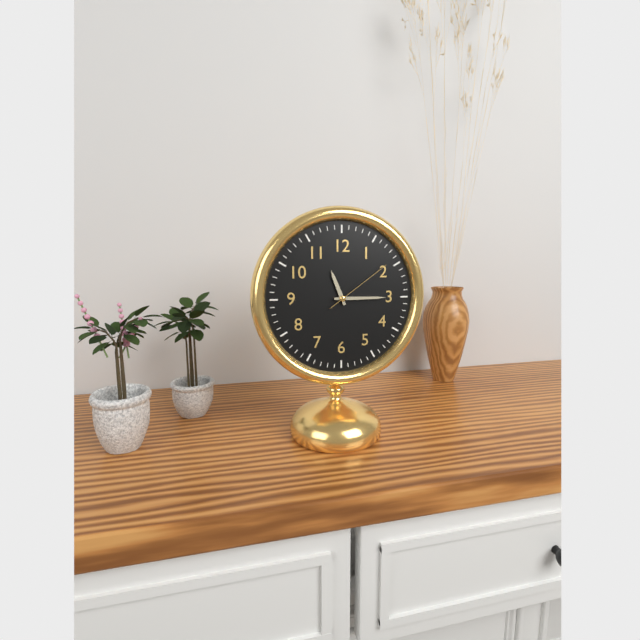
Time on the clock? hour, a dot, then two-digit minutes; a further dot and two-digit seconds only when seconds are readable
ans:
11.15.09
